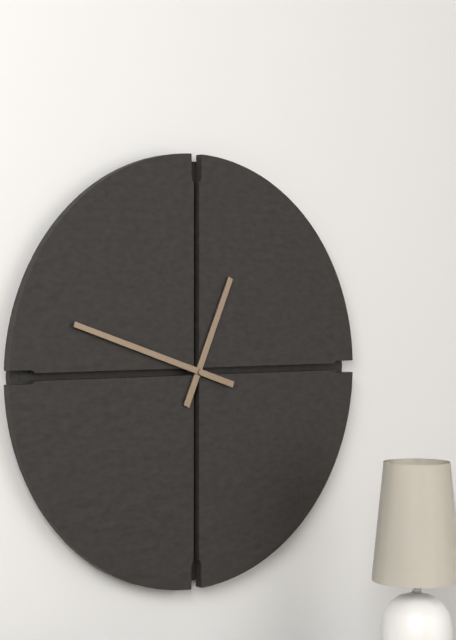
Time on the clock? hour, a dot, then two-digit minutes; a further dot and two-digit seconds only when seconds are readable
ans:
12.48
